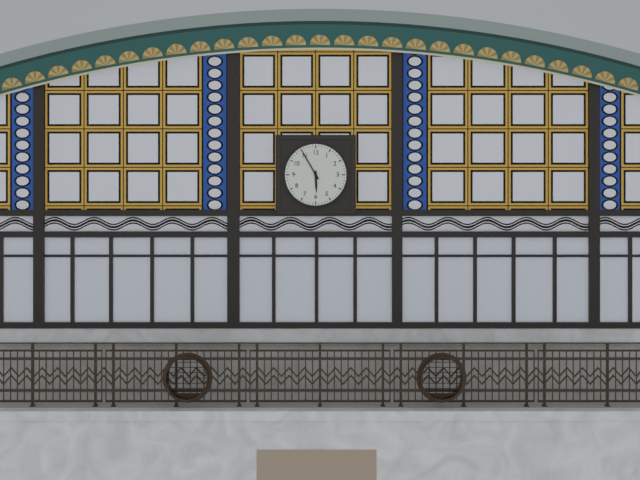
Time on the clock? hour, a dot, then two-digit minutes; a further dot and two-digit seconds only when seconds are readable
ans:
5.55
